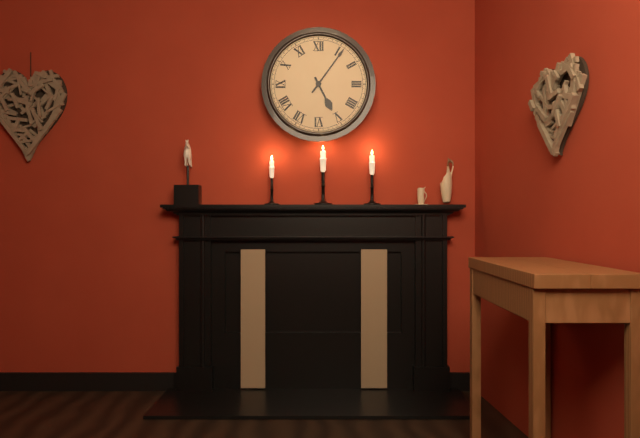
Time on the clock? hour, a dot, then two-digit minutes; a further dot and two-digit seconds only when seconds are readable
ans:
5.06
